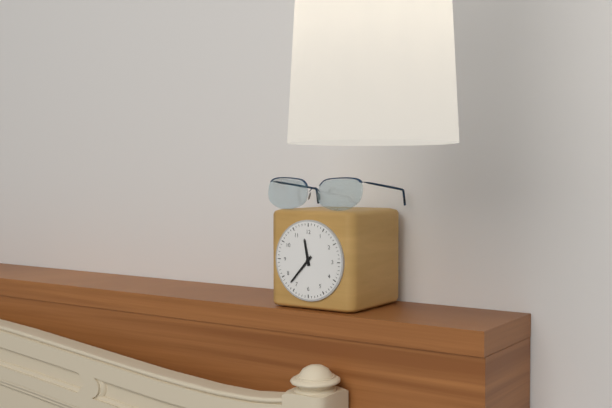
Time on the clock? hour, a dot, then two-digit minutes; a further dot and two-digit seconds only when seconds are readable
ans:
11.37
